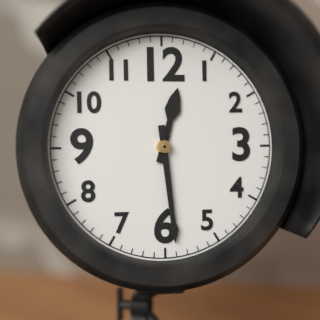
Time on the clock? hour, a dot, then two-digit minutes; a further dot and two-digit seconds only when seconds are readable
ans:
12.29
